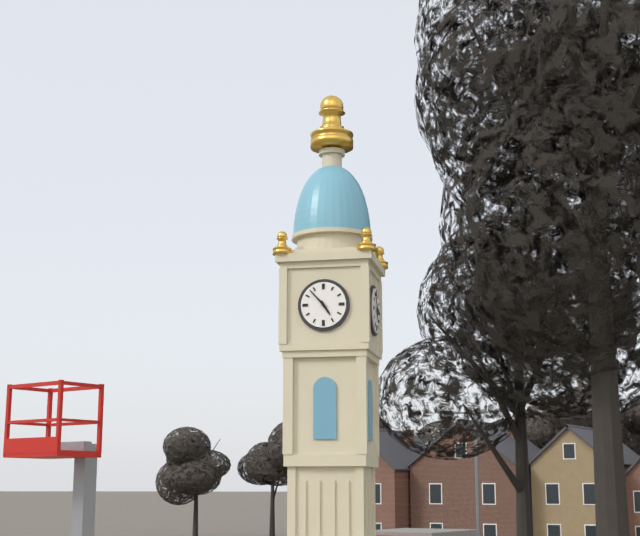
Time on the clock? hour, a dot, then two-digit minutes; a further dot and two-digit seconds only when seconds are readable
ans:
4.53
